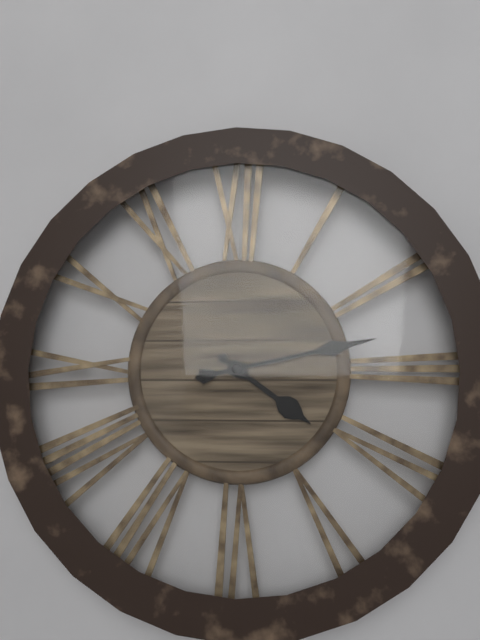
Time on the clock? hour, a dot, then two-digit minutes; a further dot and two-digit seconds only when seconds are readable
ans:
4.13
